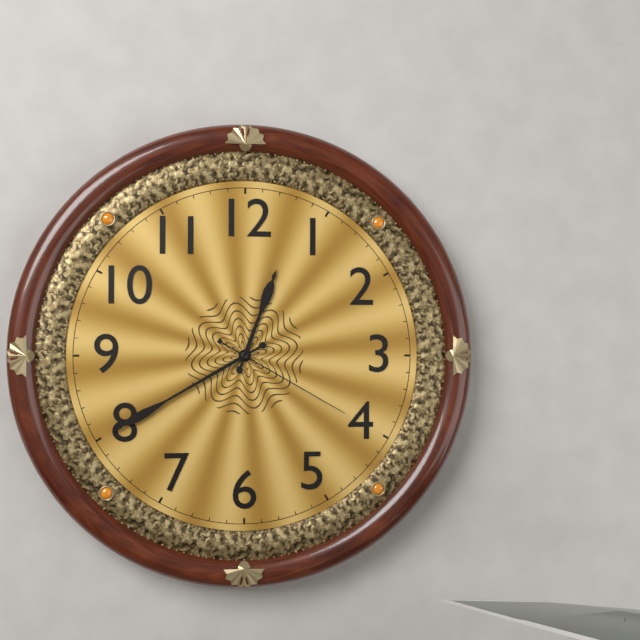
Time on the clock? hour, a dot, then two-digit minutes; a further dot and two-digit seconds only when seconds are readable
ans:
12.40.20
